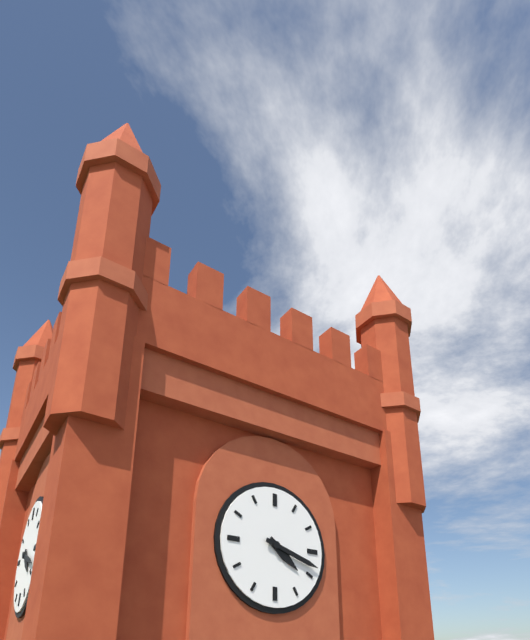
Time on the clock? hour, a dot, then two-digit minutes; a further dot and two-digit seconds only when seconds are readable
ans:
4.18
